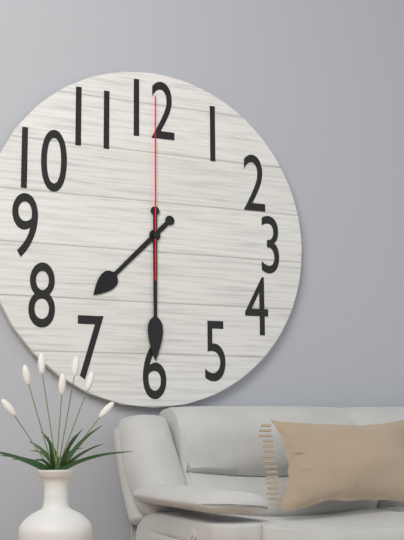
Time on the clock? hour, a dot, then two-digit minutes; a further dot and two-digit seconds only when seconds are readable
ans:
7.30.00
